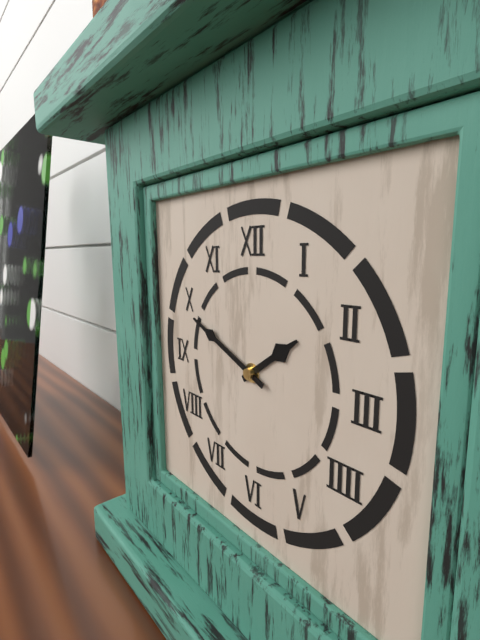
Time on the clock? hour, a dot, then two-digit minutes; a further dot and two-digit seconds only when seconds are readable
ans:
1.49
